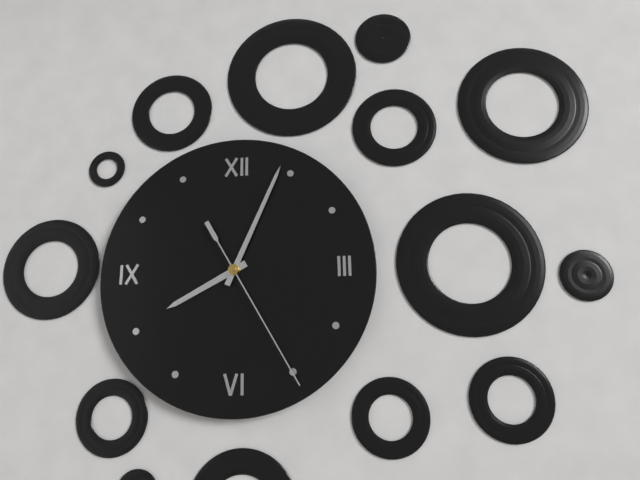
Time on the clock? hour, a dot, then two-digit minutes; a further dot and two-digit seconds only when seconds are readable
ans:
8.04.25
